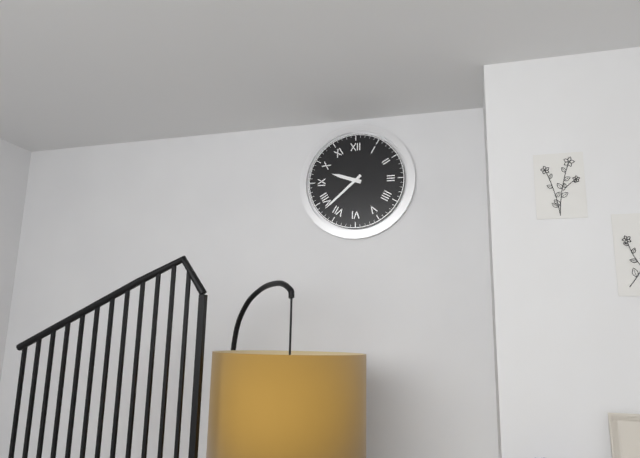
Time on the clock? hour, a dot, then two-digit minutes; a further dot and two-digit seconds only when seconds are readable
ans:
9.38
